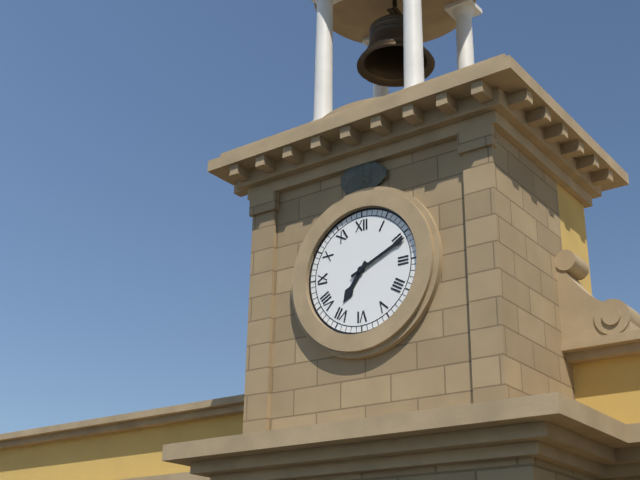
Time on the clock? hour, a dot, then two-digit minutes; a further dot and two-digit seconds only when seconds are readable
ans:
7.11
